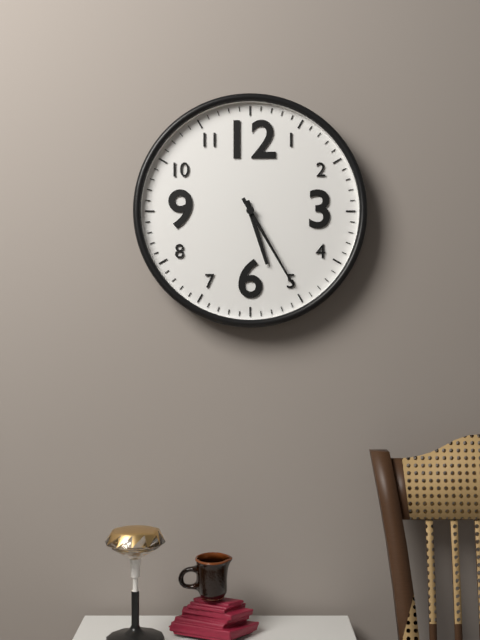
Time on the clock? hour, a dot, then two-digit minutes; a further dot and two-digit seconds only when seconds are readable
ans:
5.25
